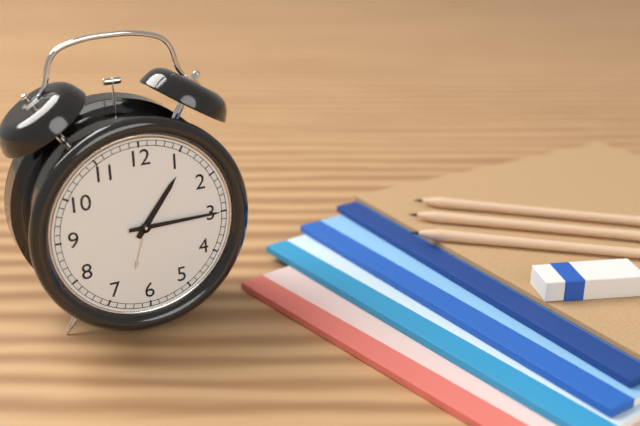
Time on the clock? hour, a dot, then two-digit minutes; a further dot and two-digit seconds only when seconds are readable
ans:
1.15
